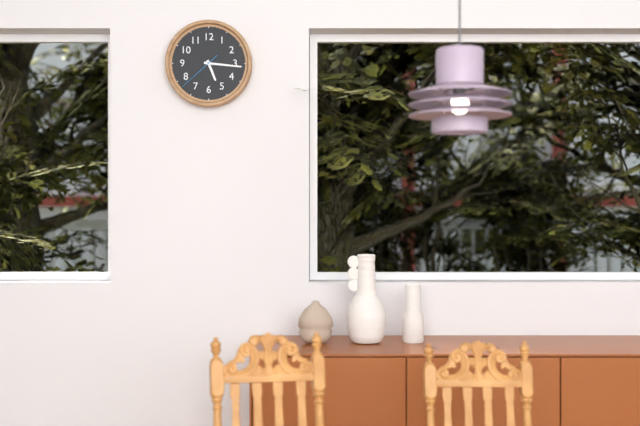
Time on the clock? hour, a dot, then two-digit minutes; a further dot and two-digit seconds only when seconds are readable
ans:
5.16
